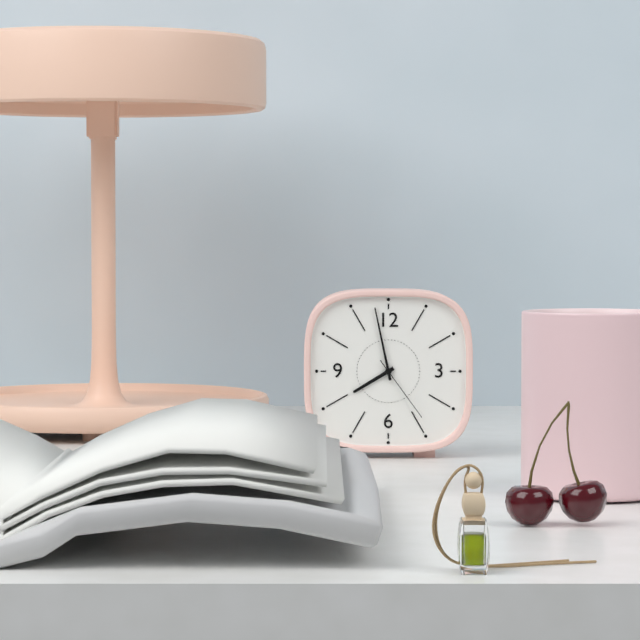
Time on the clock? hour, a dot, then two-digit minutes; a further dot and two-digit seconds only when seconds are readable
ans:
7.58.24
